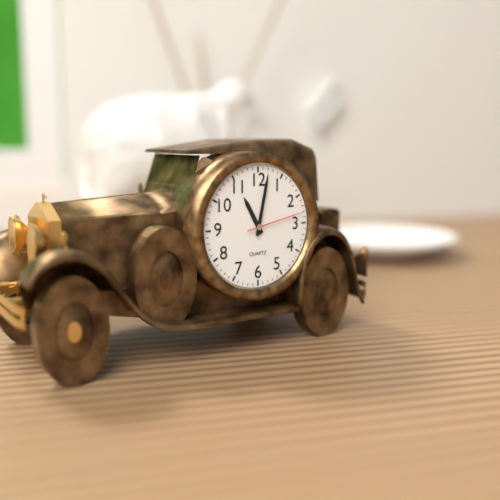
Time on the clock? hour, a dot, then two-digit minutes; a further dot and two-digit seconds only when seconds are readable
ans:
11.02.13
